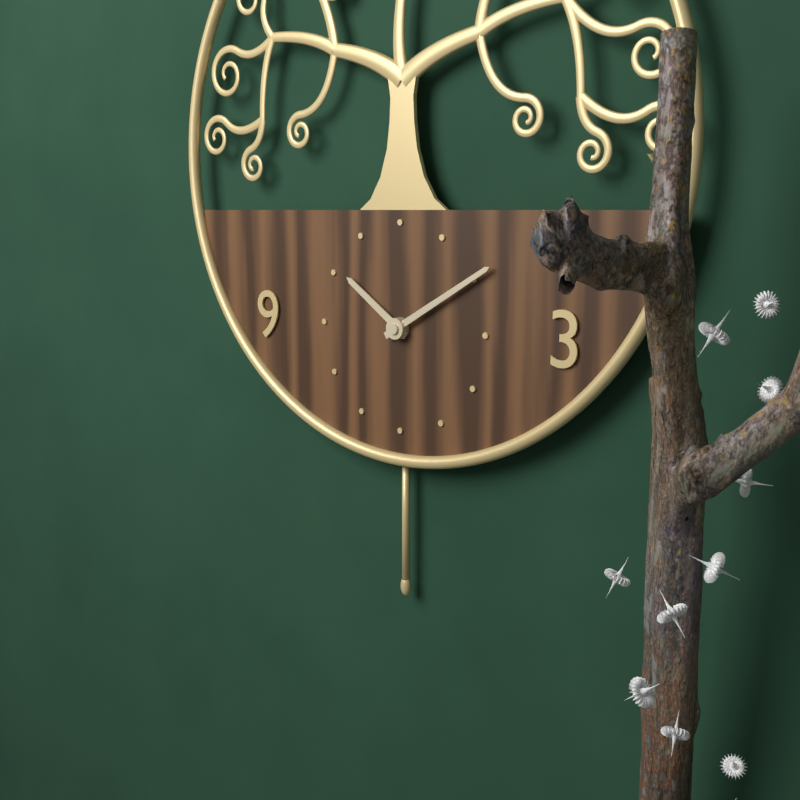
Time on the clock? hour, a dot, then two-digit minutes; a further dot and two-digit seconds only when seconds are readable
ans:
10.10
